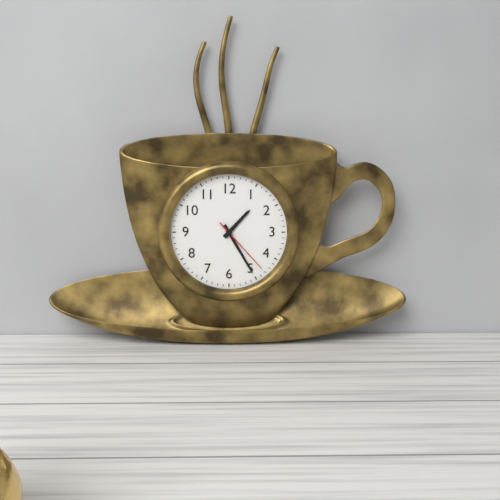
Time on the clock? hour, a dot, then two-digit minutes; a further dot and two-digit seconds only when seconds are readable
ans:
1.25.23
